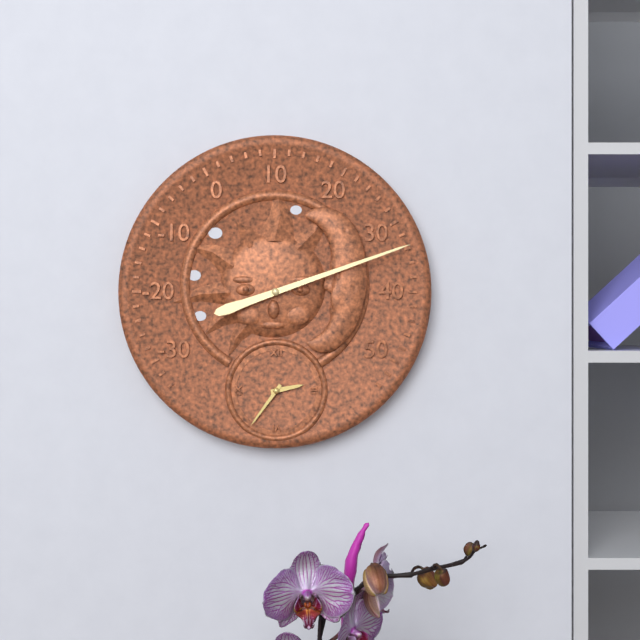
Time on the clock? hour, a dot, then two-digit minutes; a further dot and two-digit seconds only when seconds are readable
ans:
2.36
